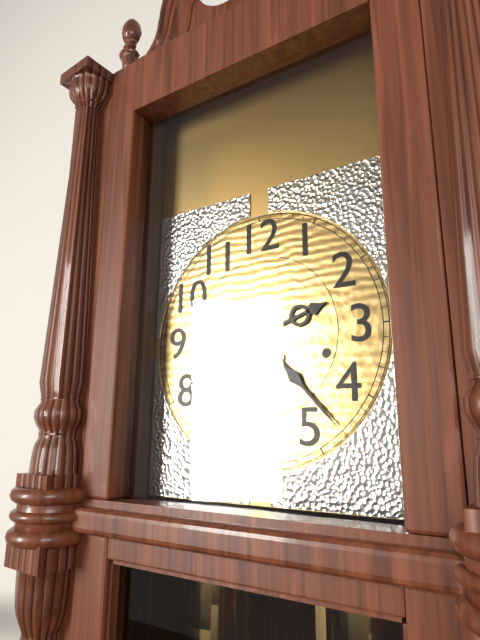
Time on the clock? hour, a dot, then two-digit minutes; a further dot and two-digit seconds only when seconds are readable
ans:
2.23
